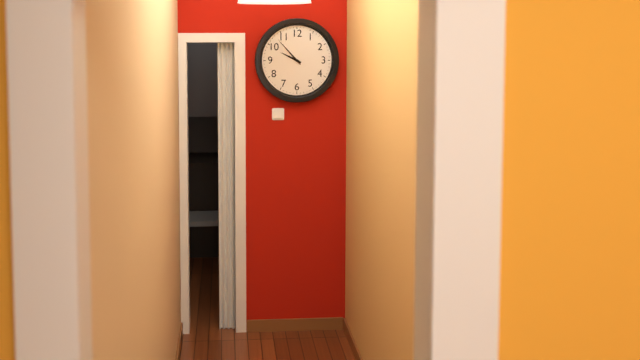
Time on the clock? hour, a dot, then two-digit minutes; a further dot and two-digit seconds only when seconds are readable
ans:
9.53
